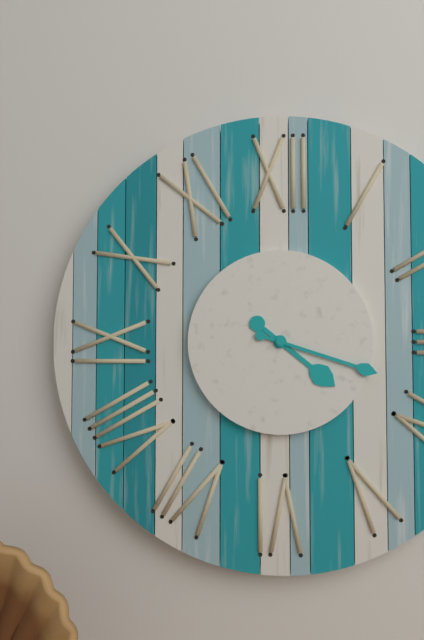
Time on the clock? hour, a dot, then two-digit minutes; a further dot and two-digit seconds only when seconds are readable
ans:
4.18
